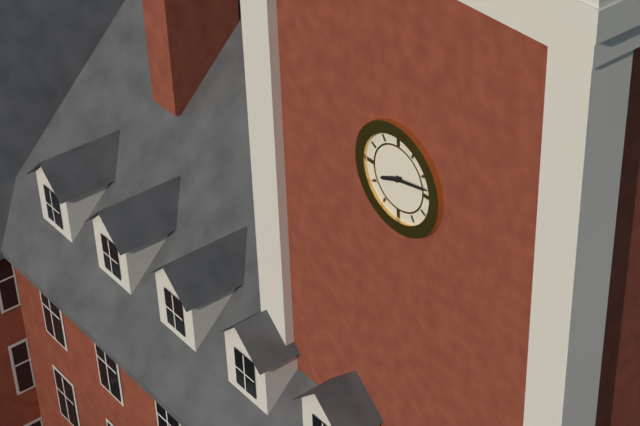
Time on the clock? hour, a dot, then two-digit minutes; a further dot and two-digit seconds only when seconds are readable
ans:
8.13
